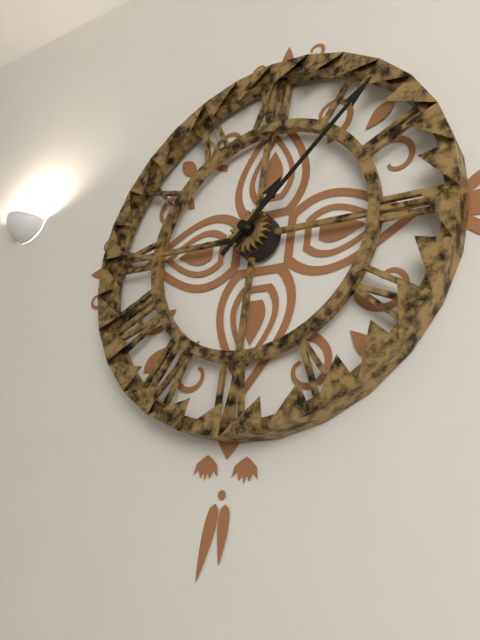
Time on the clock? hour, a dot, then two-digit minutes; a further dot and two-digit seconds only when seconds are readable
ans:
1.07
